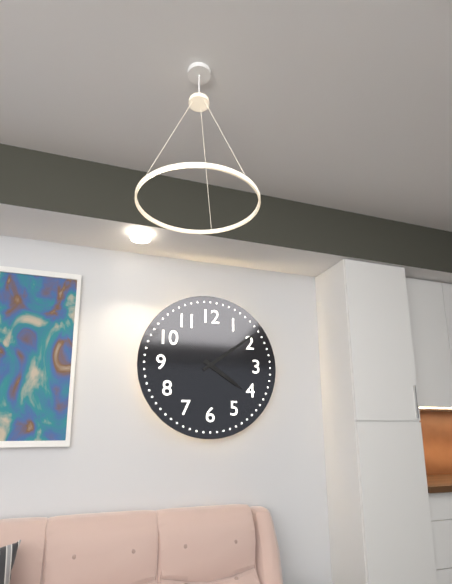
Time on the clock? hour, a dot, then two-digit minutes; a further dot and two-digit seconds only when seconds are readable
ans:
4.09
